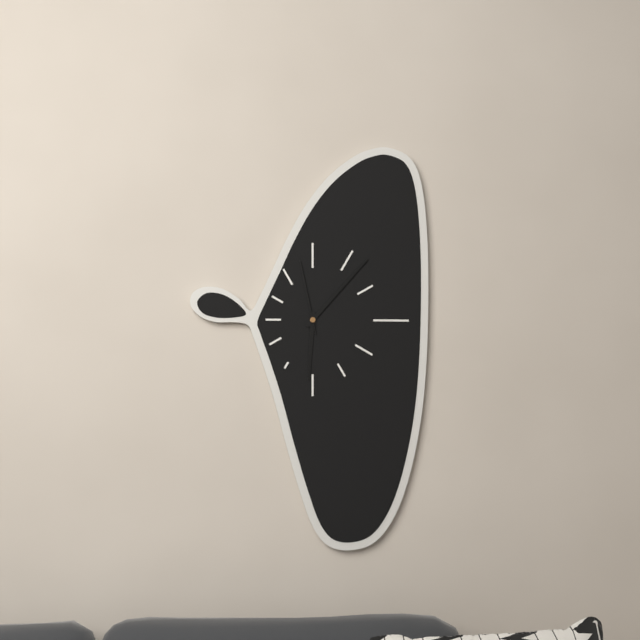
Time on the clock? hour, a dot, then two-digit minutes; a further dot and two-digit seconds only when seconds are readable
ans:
6.07.58
